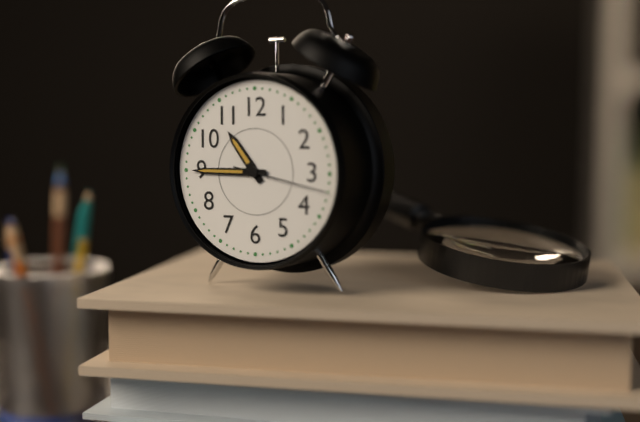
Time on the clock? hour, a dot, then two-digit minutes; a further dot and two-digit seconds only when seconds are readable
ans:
10.45.17
